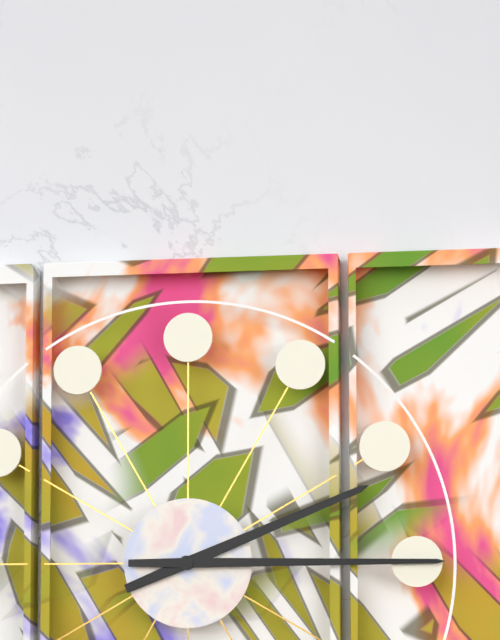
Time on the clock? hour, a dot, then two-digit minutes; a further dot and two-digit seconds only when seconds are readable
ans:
2.15
